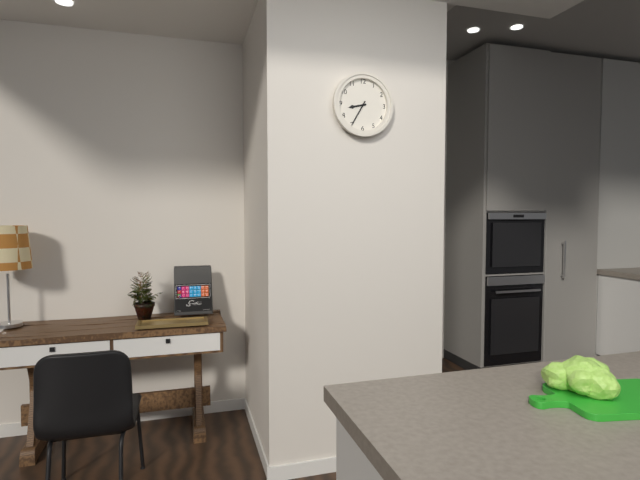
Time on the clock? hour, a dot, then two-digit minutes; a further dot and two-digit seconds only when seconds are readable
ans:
8.35
